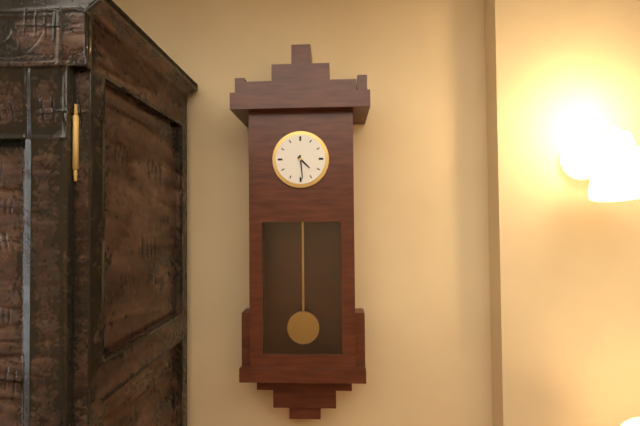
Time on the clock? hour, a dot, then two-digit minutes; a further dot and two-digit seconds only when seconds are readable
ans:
4.29
